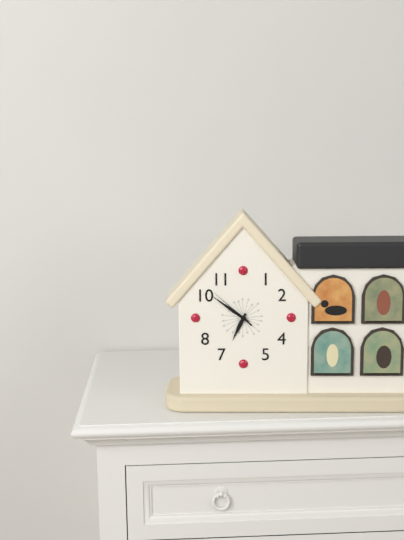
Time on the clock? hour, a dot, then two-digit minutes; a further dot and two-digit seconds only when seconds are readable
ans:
6.51
